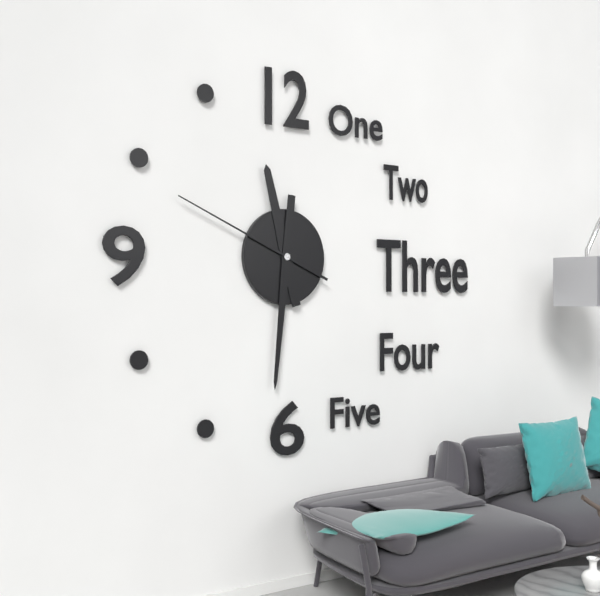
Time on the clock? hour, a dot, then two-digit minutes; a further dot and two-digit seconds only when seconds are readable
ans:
11.31.49
